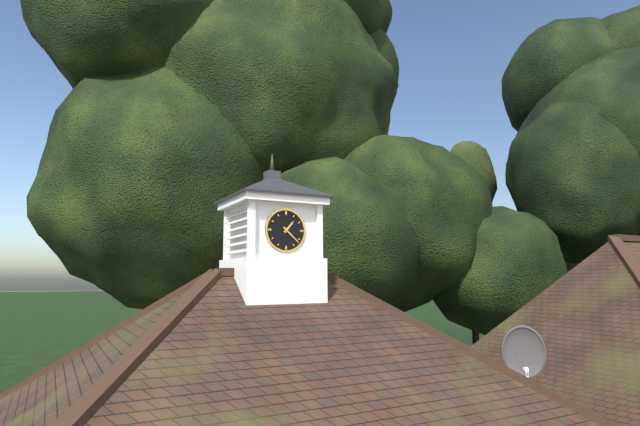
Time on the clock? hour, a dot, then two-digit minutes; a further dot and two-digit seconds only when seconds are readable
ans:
1.22
